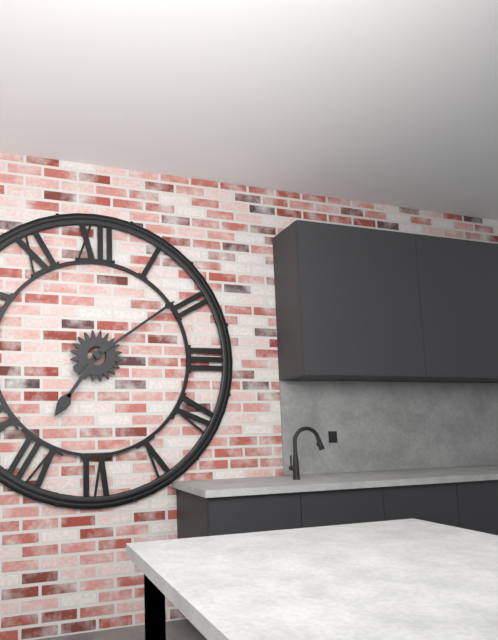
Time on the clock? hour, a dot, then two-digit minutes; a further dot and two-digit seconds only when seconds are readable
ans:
7.09
